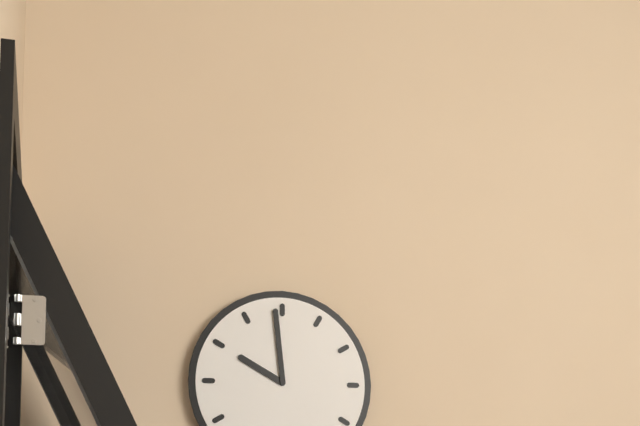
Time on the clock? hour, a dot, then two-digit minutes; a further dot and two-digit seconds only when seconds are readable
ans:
9.59
